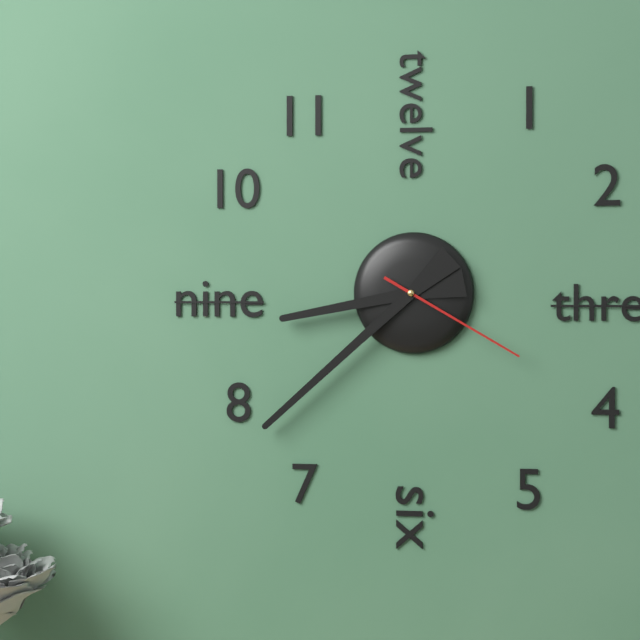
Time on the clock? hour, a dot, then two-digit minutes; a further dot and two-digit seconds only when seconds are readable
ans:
8.38.20
